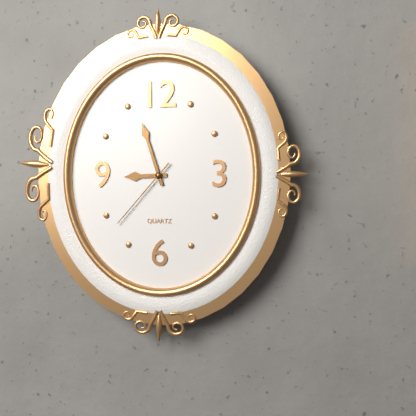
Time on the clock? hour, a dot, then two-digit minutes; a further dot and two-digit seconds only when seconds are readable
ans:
8.57.37
